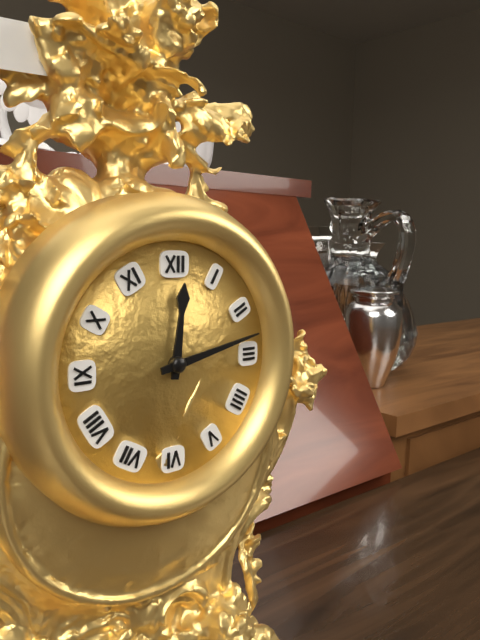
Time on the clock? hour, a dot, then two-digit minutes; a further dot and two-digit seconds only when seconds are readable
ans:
12.13
